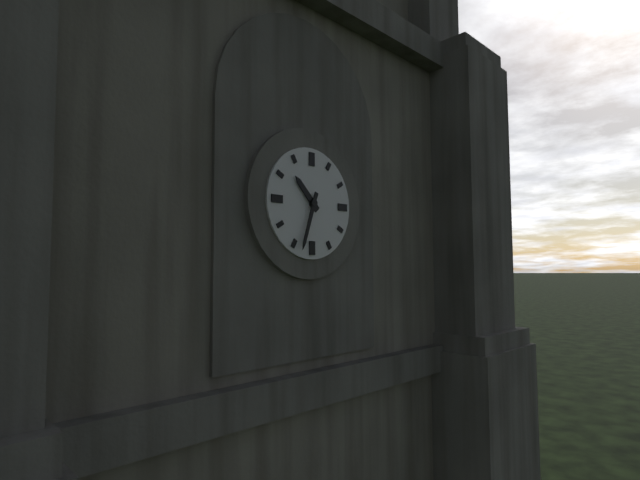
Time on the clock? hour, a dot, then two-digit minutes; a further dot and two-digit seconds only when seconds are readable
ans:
10.33
